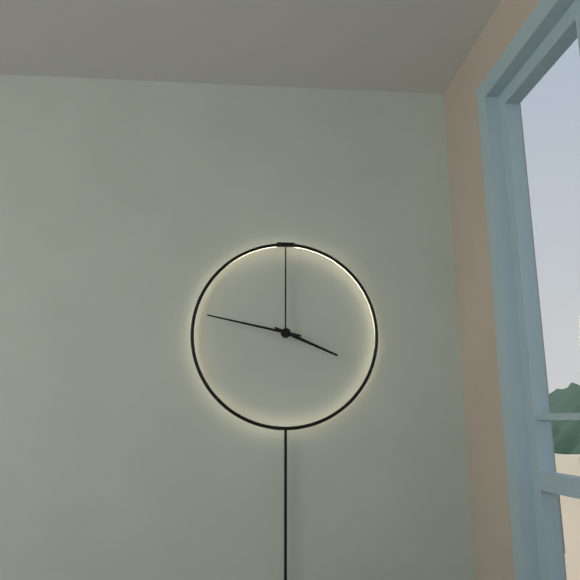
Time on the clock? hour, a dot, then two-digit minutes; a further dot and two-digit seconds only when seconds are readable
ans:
3.47
